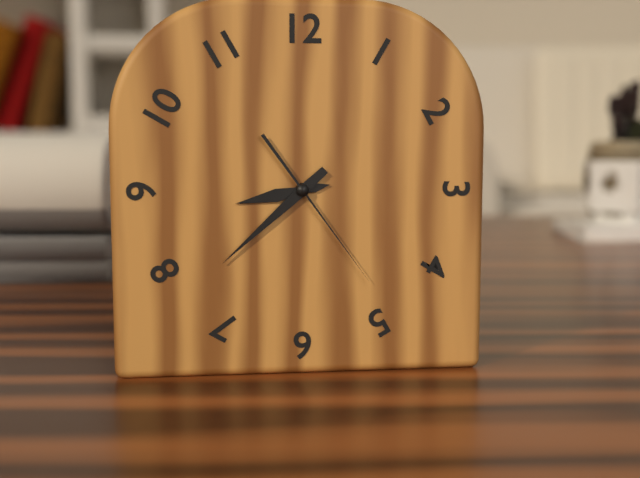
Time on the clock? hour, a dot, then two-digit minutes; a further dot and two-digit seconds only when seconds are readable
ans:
8.38.24
